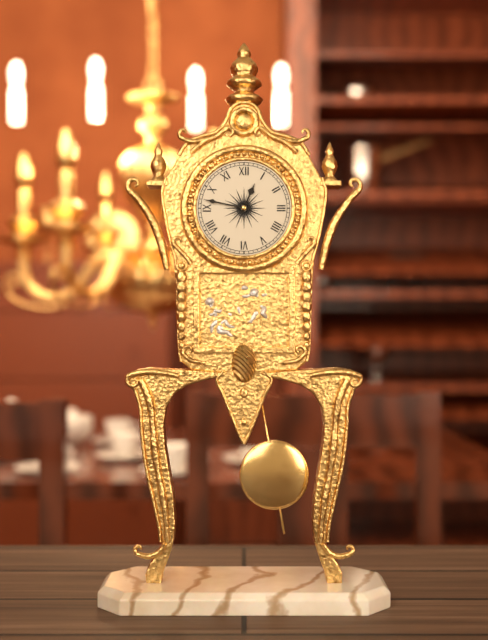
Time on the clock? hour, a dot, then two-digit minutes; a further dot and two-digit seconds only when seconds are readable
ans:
12.47
